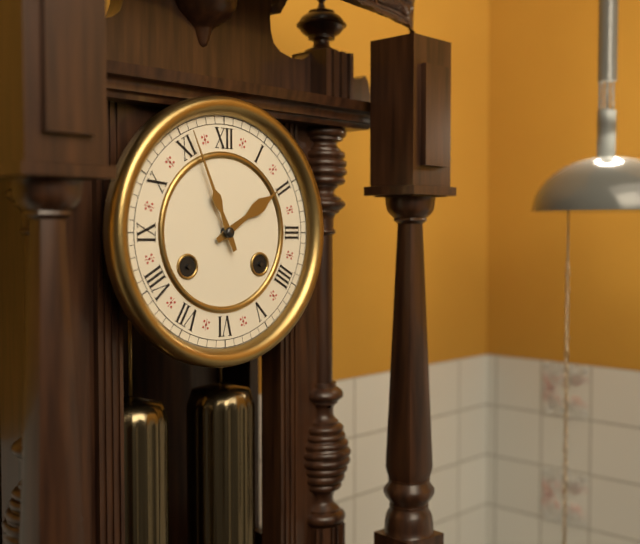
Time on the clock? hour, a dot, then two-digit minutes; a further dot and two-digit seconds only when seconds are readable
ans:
1.56
